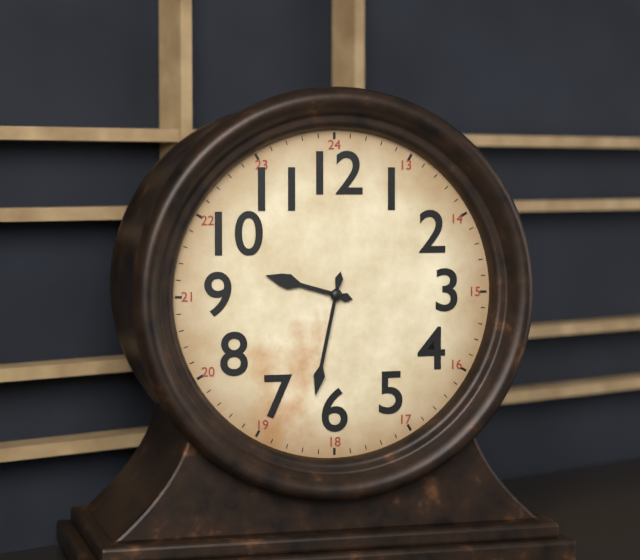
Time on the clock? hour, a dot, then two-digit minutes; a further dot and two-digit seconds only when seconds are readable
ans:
9.32
